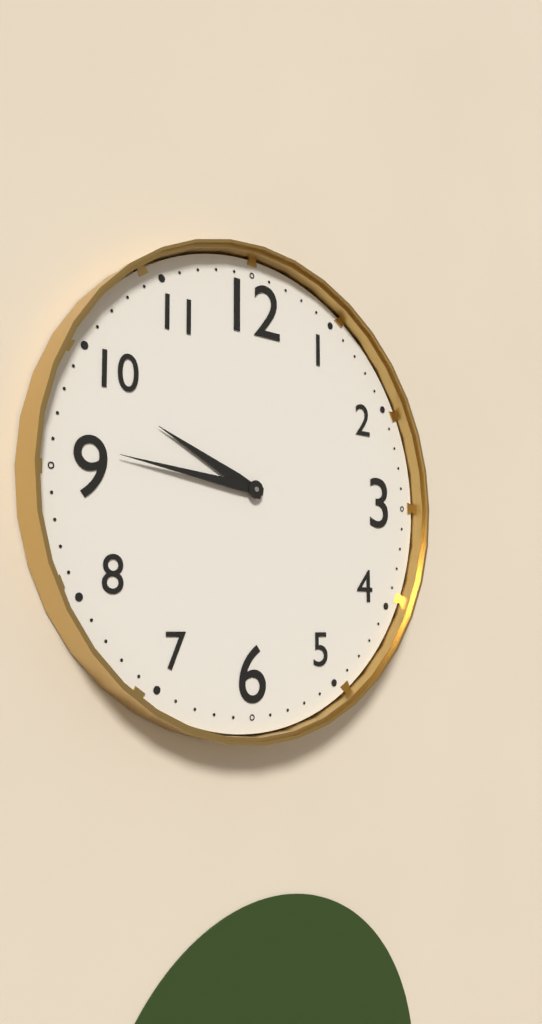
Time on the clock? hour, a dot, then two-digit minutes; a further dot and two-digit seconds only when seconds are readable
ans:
9.46
